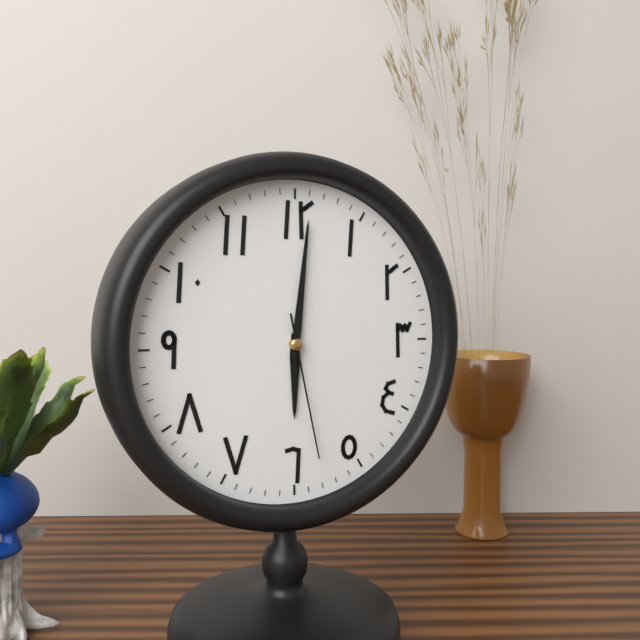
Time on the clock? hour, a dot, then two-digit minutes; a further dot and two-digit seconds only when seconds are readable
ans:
6.01.28
